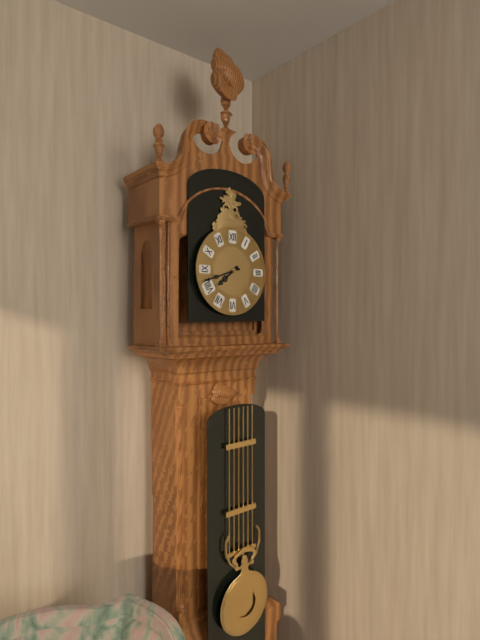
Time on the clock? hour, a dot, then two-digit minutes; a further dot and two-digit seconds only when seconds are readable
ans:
7.42
